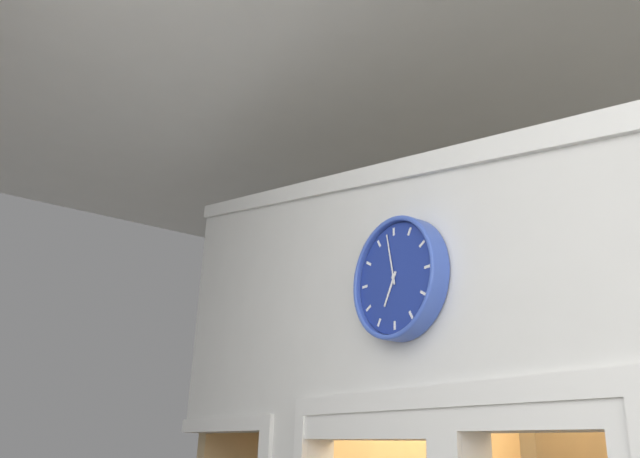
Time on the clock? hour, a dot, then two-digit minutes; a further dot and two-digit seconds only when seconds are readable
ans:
6.58
